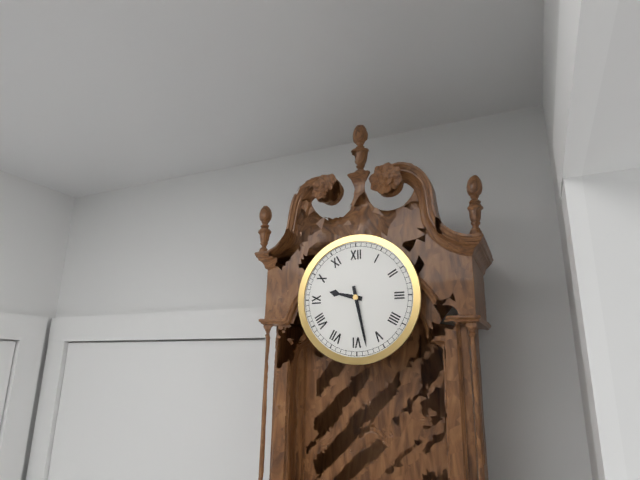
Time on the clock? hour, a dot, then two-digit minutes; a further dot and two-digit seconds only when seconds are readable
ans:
9.28
